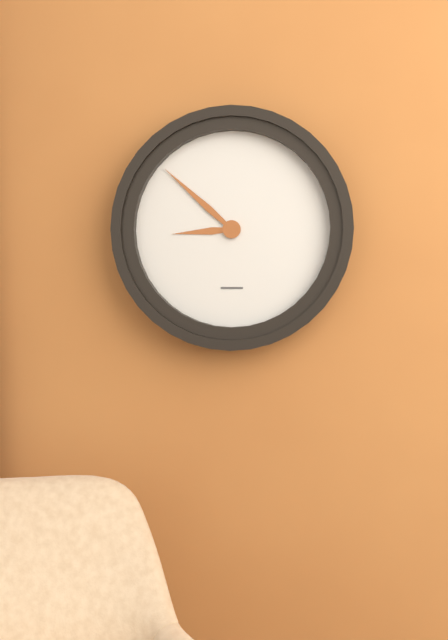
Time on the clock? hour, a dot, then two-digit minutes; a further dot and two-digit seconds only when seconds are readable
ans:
8.52
